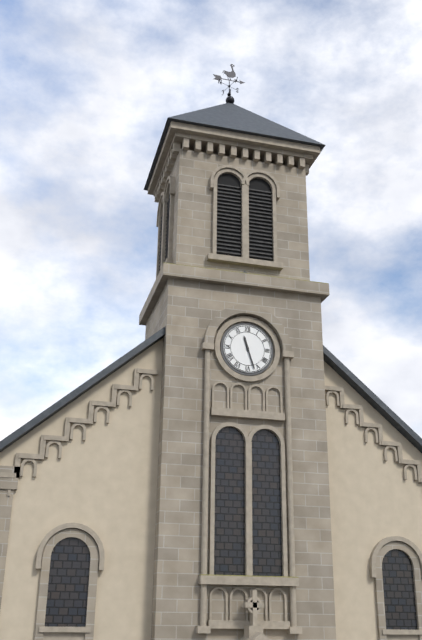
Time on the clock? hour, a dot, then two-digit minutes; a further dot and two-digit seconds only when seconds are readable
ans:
11.27
